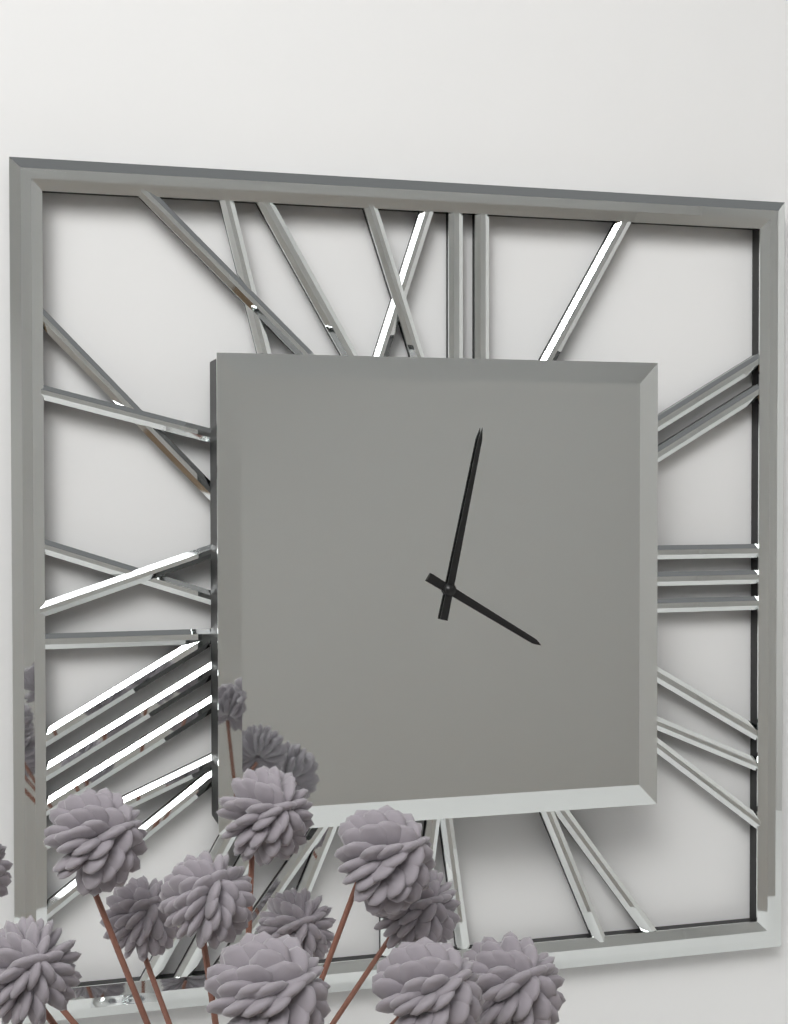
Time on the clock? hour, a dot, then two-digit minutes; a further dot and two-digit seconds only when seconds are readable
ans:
4.02
